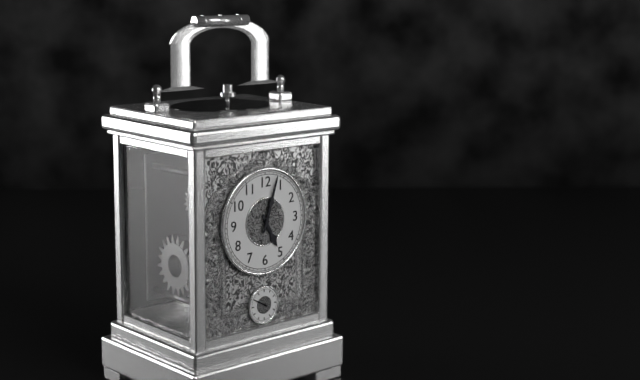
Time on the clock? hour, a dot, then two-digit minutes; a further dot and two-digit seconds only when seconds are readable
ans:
5.03
